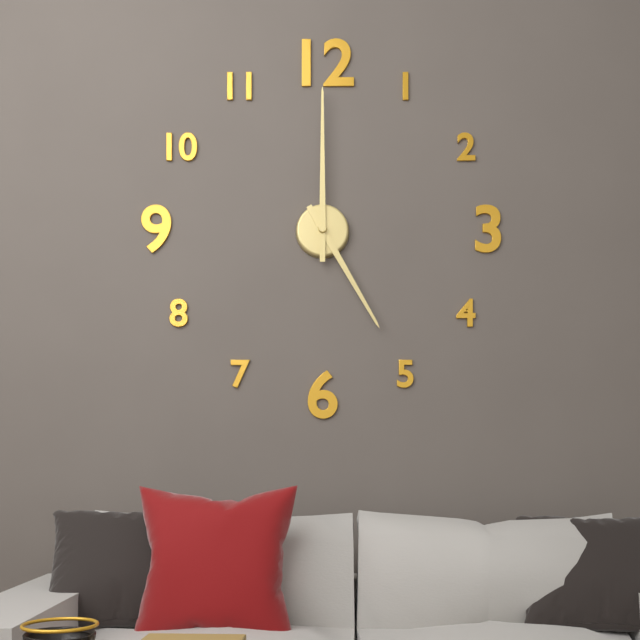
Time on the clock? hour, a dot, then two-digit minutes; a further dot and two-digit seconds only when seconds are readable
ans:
5.00
